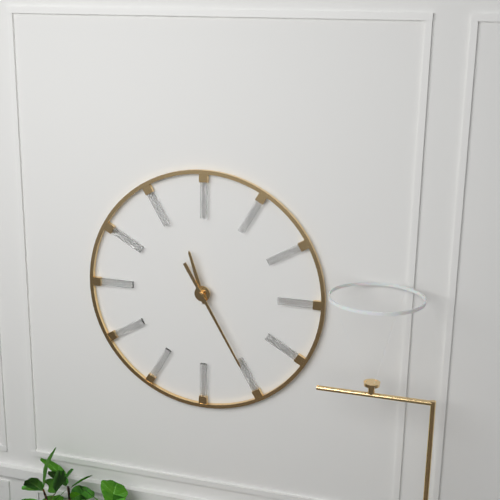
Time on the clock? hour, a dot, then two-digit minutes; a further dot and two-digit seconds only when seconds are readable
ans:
11.25
